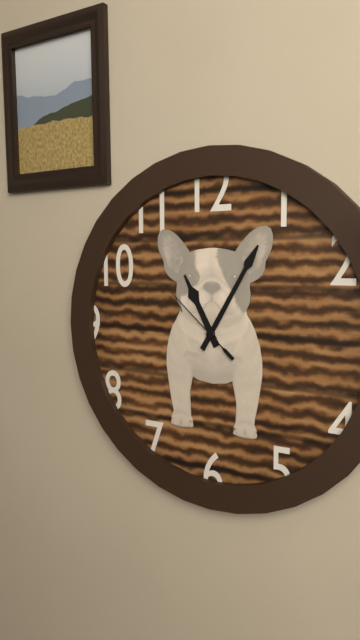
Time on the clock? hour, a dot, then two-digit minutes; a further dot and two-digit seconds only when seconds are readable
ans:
11.05.52
